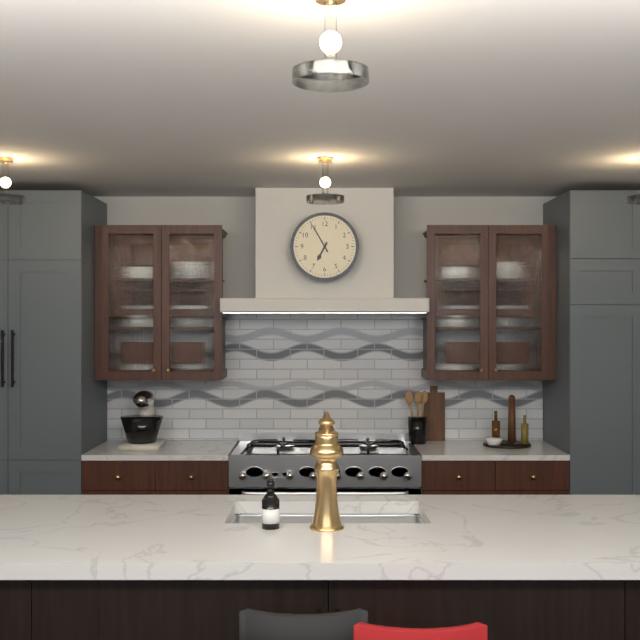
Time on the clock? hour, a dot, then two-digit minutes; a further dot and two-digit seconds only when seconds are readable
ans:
6.55
